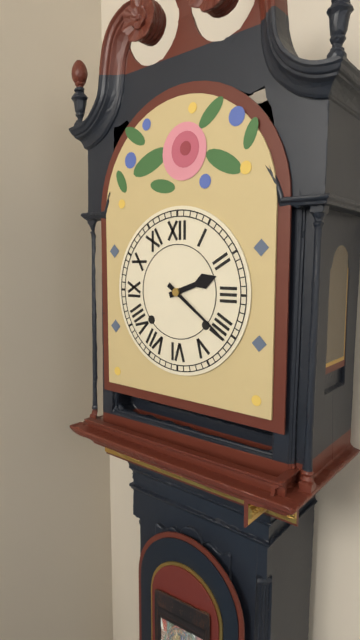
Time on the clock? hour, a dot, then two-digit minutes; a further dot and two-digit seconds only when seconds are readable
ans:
2.21
